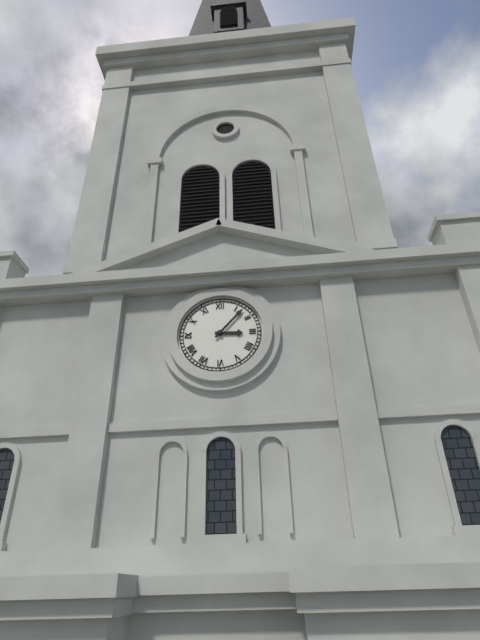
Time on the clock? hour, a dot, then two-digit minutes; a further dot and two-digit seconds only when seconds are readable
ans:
3.07
